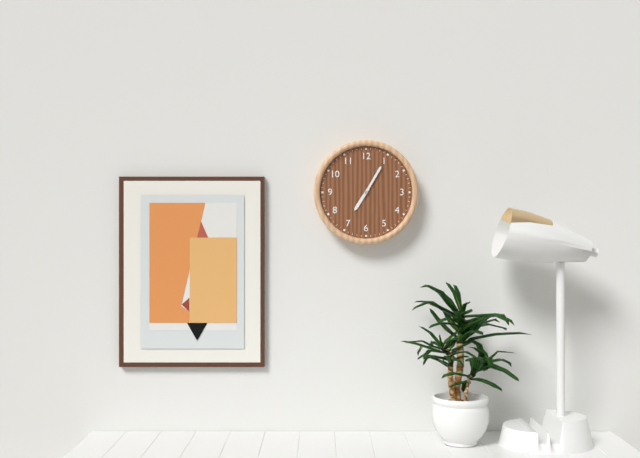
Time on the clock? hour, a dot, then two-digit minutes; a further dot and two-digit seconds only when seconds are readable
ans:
7.05
